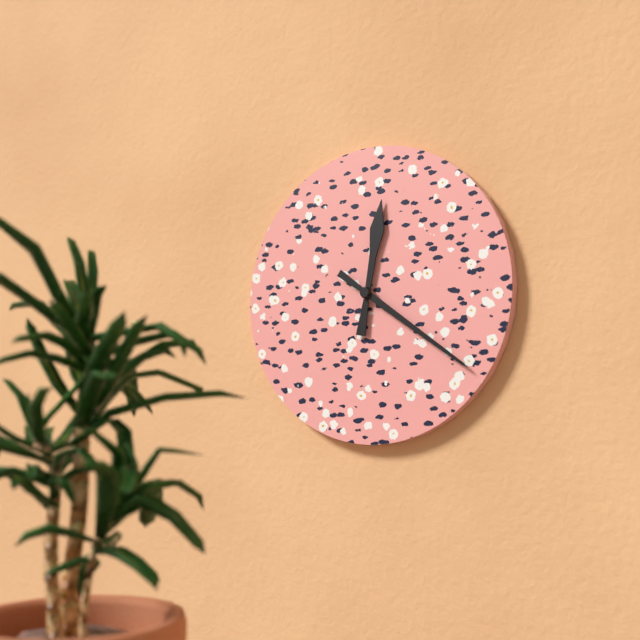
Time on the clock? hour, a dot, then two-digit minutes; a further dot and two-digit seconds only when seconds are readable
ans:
12.21
